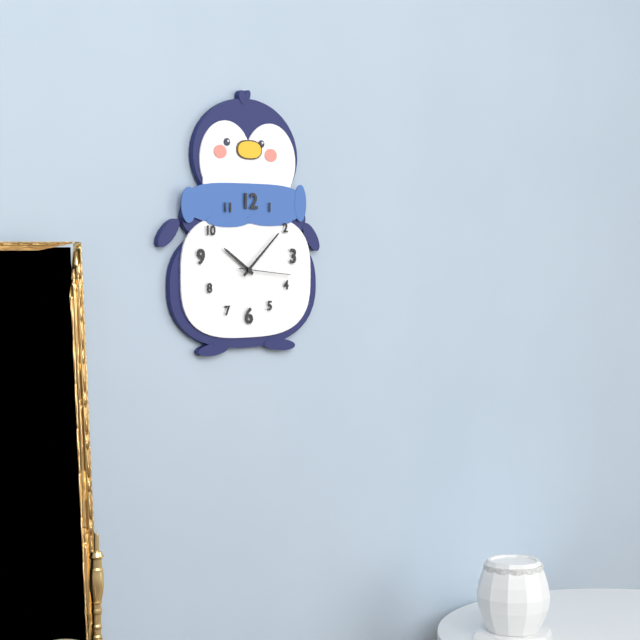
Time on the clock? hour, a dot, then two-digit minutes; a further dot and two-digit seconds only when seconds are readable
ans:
10.08.16
